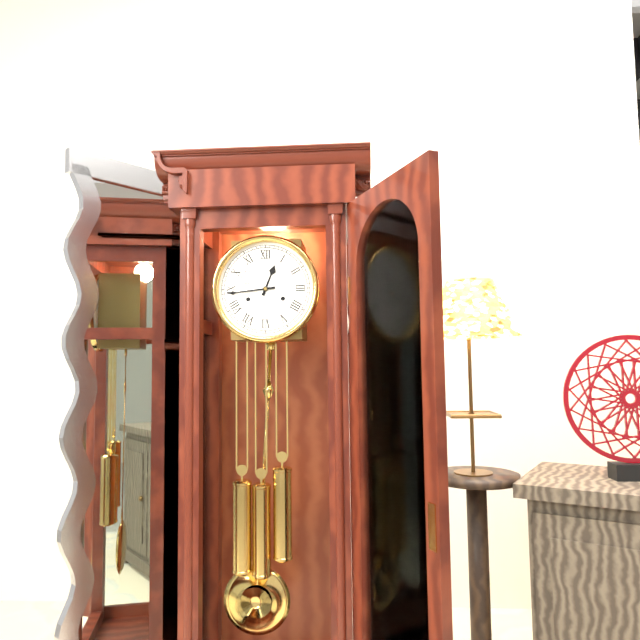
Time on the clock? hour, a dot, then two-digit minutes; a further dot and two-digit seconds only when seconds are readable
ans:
12.44
